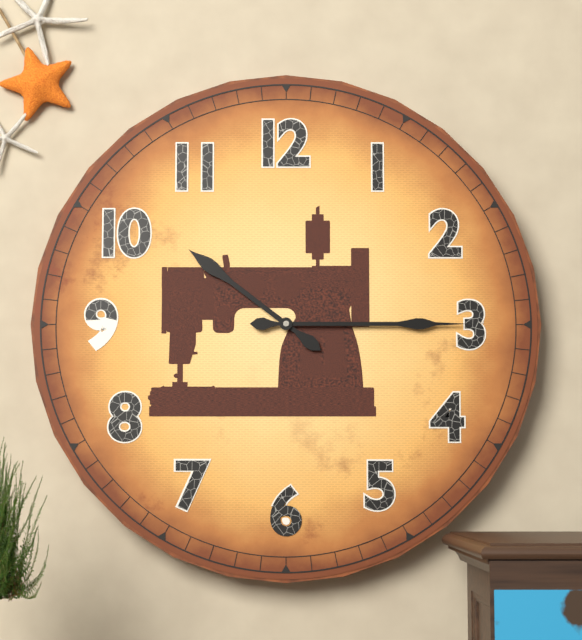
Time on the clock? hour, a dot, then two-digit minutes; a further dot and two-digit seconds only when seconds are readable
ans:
10.15
